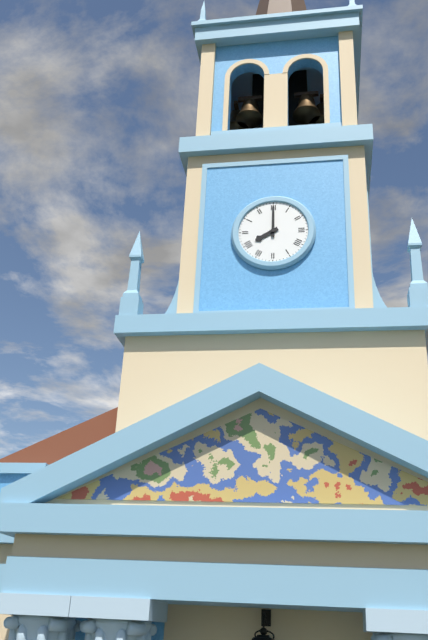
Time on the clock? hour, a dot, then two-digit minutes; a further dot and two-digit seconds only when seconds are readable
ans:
8.00
